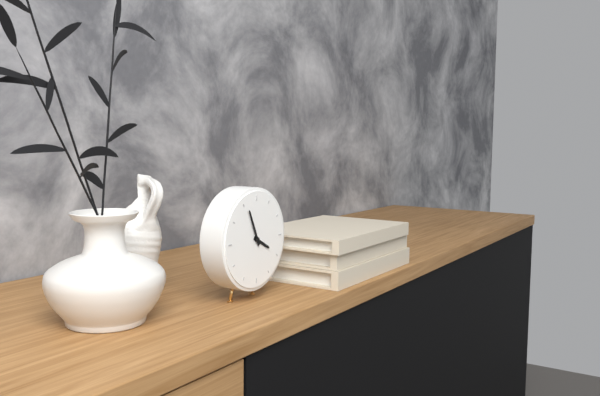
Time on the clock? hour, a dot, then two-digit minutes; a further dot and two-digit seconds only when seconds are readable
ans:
3.56
